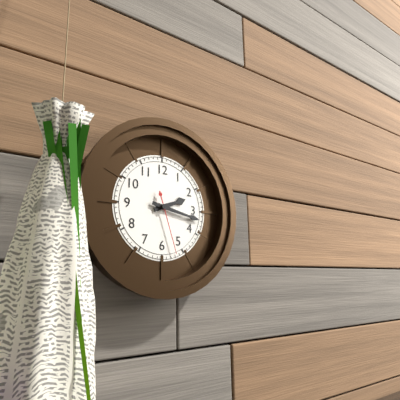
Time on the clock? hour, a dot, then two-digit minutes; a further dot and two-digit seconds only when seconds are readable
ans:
2.17.27
